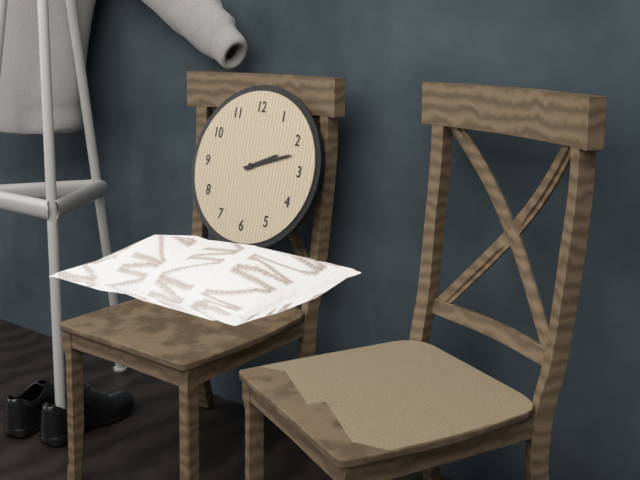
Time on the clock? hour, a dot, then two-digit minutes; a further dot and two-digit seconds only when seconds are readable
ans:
2.12
